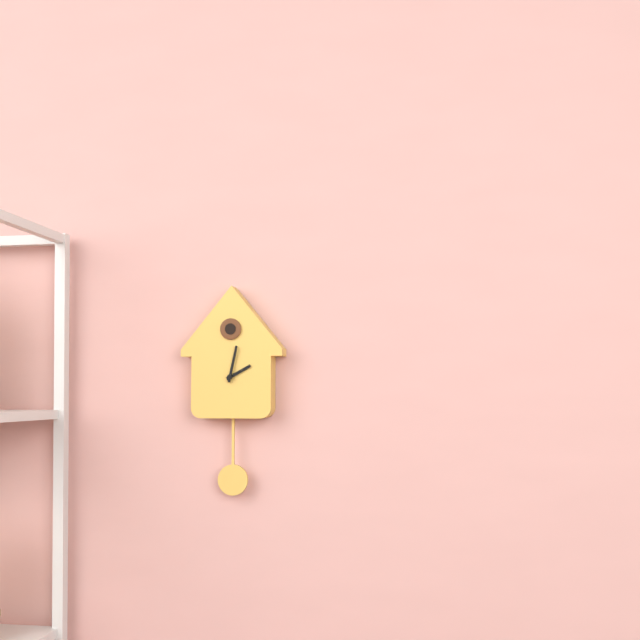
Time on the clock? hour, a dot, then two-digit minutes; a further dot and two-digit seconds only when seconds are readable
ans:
2.02
